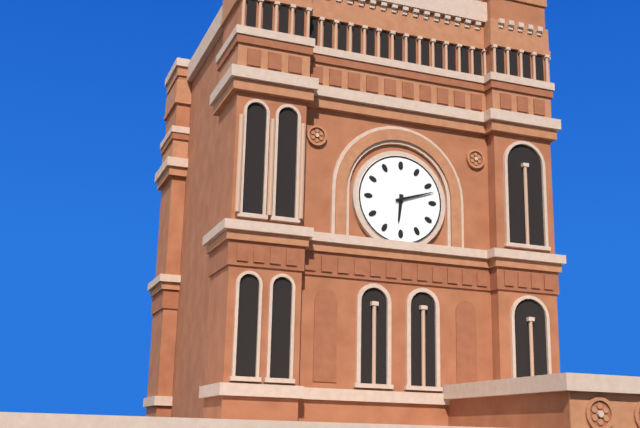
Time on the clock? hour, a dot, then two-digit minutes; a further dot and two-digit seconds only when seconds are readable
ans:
6.12
